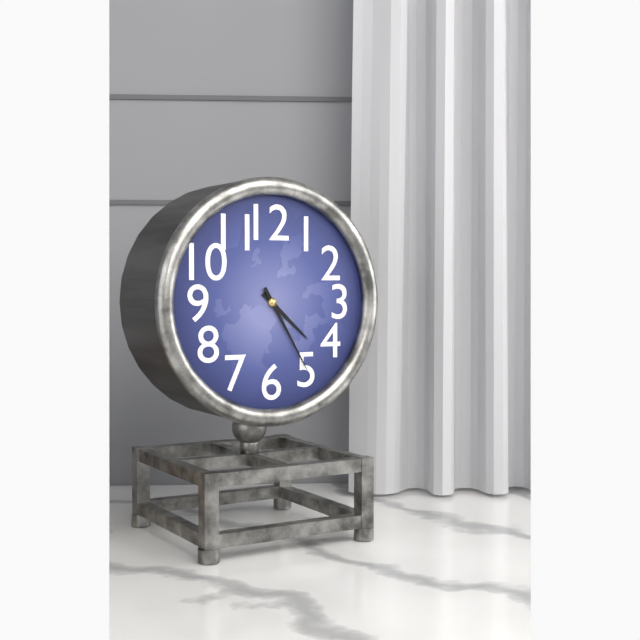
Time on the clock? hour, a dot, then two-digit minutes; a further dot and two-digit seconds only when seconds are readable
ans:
4.25
